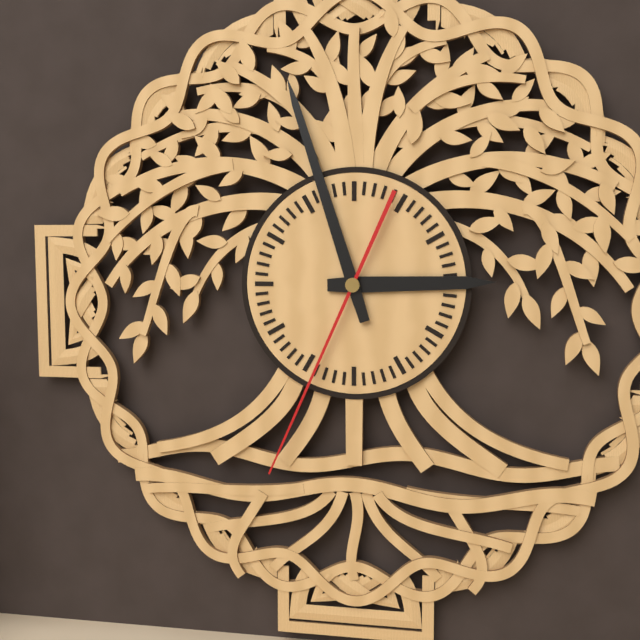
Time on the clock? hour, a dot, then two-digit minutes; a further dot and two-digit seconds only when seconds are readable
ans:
2.57.34
